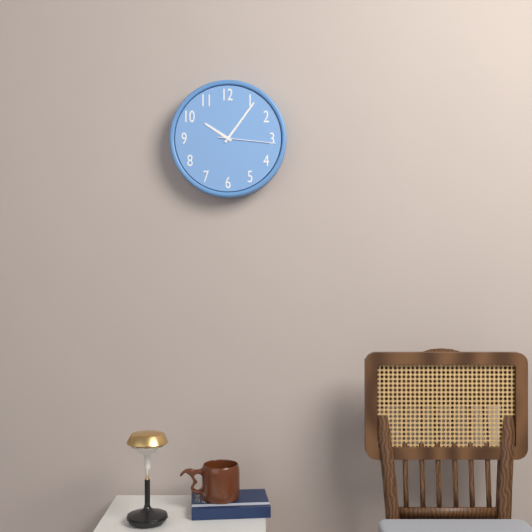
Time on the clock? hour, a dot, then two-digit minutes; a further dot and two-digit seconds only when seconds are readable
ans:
10.06.16
